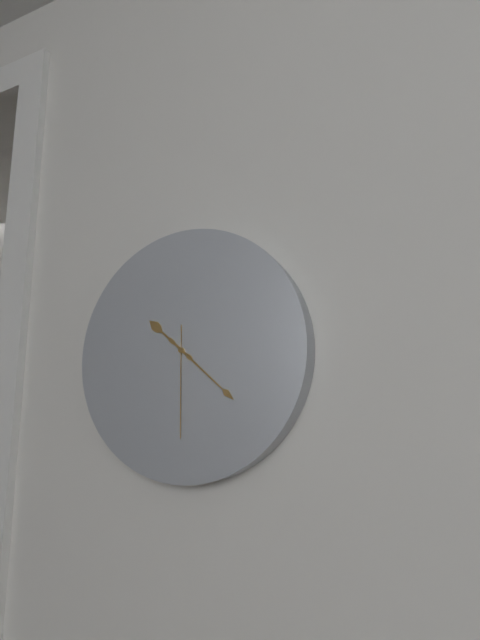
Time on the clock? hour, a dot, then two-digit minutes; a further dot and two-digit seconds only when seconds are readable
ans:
10.22.30
